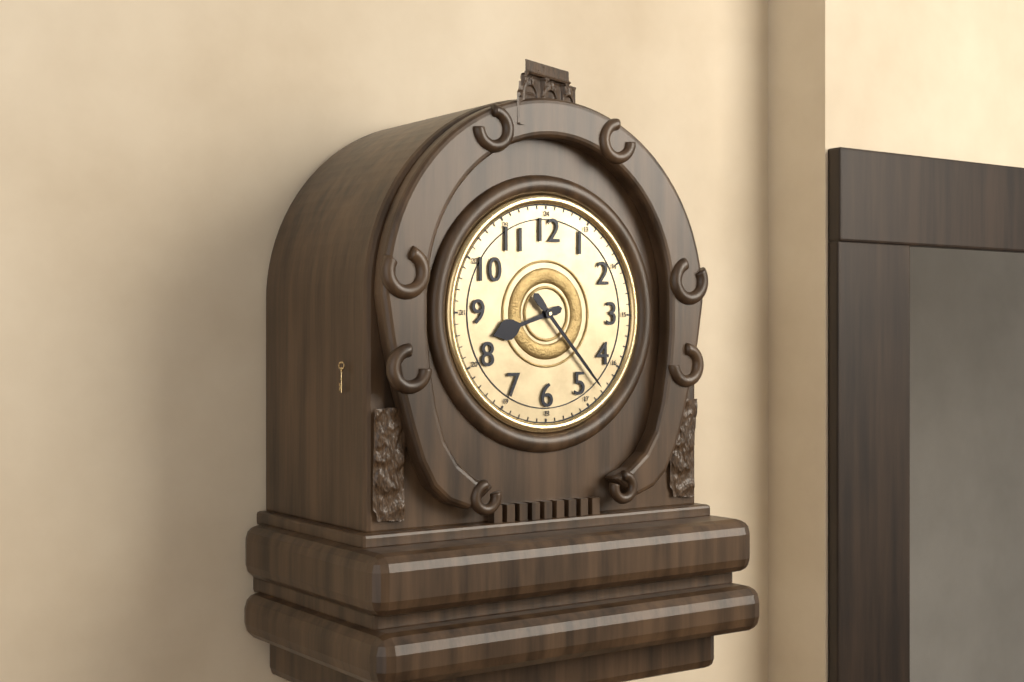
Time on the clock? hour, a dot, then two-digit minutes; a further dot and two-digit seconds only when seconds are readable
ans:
8.23
